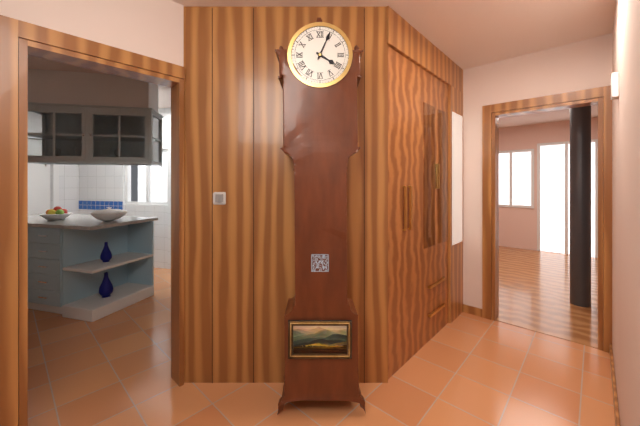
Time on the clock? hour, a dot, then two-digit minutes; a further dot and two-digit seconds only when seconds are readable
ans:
4.04
